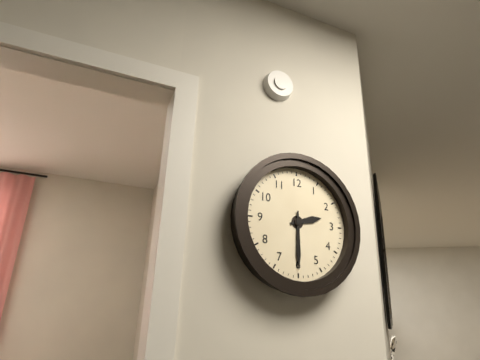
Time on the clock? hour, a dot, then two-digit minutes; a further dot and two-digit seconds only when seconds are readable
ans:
2.30
